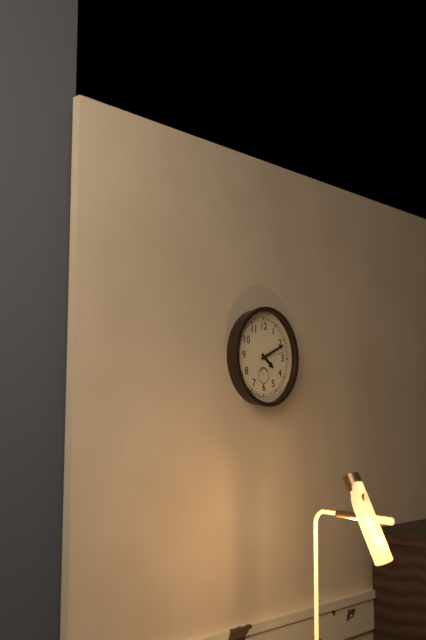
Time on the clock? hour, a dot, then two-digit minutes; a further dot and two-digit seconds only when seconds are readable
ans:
4.11
